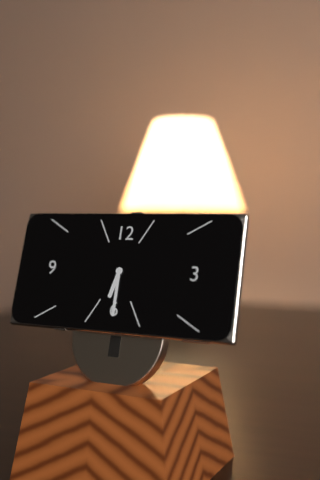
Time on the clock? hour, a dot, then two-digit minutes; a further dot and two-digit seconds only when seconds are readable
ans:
6.30
